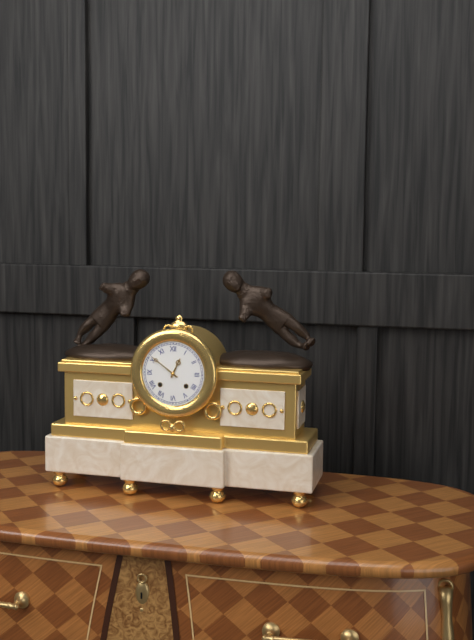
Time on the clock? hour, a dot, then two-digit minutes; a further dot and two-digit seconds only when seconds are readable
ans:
12.51
